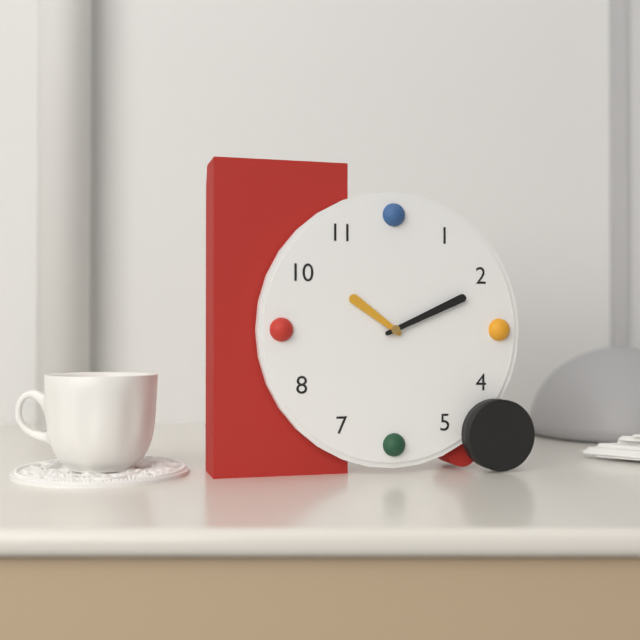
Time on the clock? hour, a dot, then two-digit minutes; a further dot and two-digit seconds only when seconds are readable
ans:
10.11
